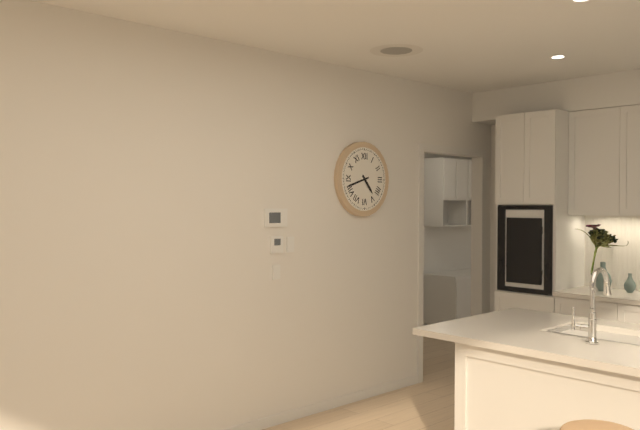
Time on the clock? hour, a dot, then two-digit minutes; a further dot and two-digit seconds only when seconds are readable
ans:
4.42
